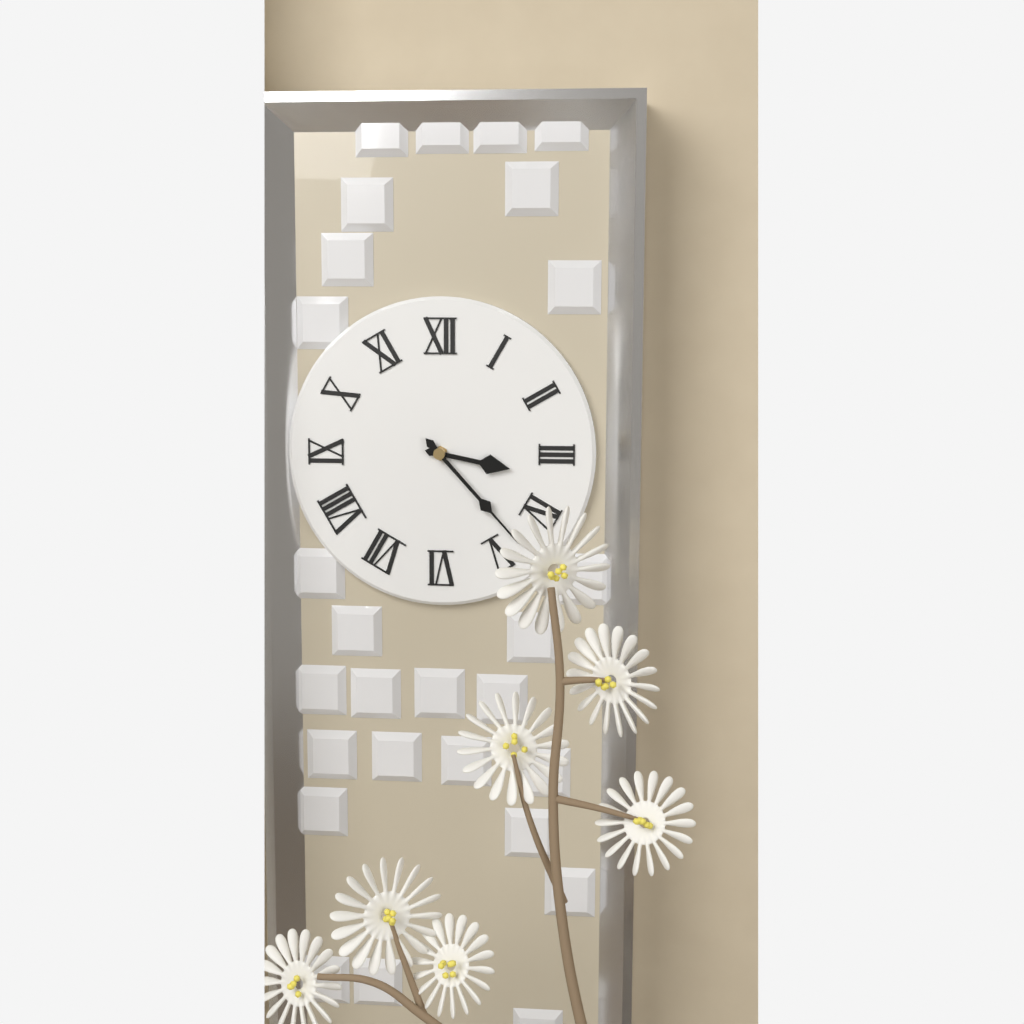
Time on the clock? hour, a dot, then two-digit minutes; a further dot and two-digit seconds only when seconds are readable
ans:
3.23
